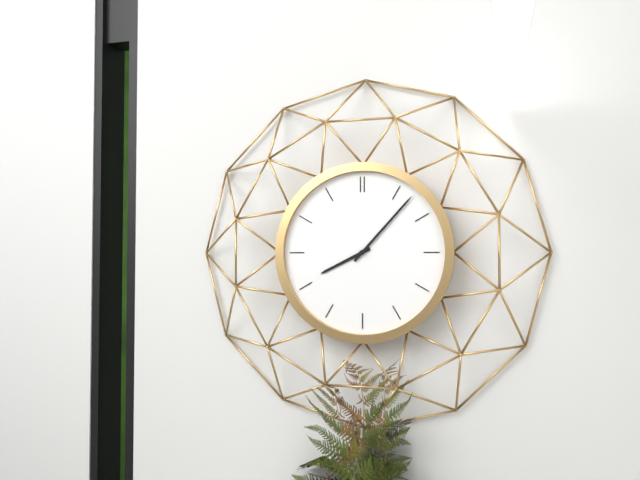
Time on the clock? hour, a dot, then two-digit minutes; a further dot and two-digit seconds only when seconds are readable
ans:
8.07
